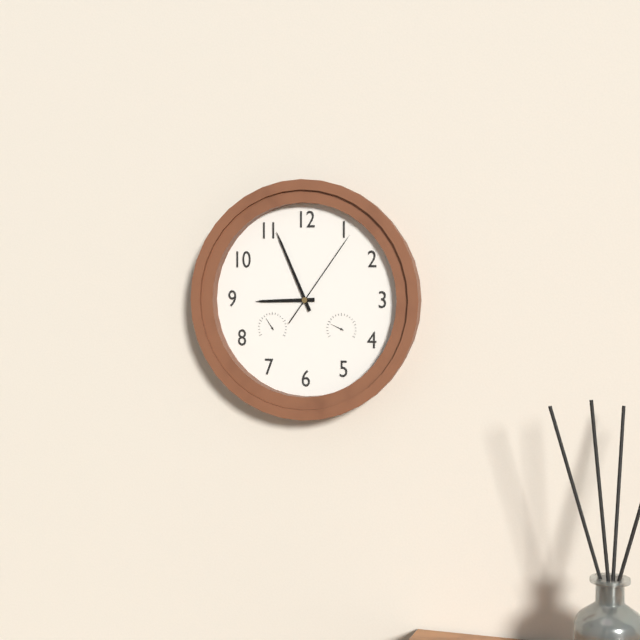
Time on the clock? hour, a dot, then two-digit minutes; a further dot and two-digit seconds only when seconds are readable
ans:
8.56.06
